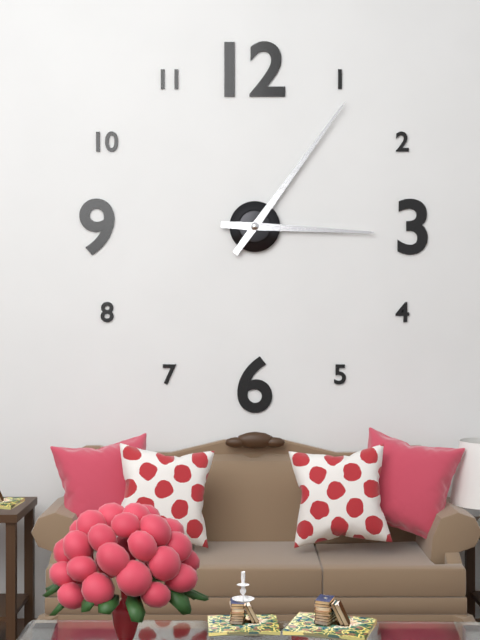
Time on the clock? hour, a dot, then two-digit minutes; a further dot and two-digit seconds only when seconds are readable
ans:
3.06
